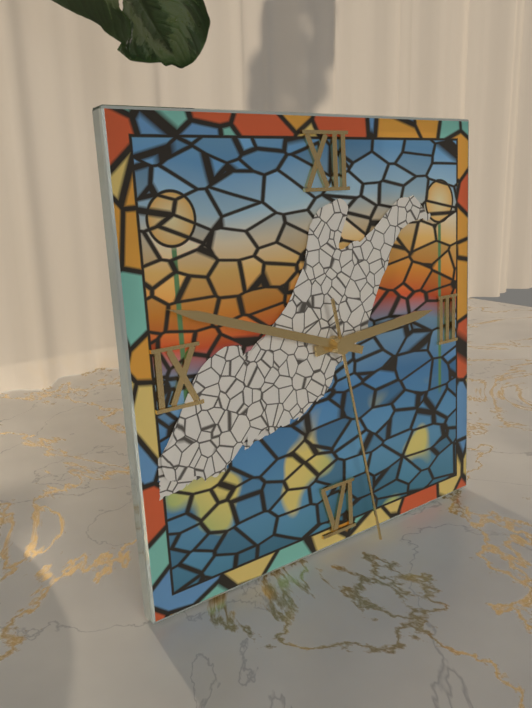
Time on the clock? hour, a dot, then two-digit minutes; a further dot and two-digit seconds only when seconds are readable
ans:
2.48.28
